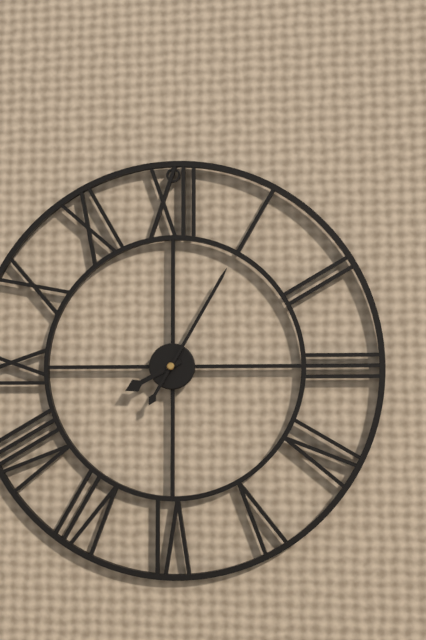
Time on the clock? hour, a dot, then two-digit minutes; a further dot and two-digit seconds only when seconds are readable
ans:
8.05
